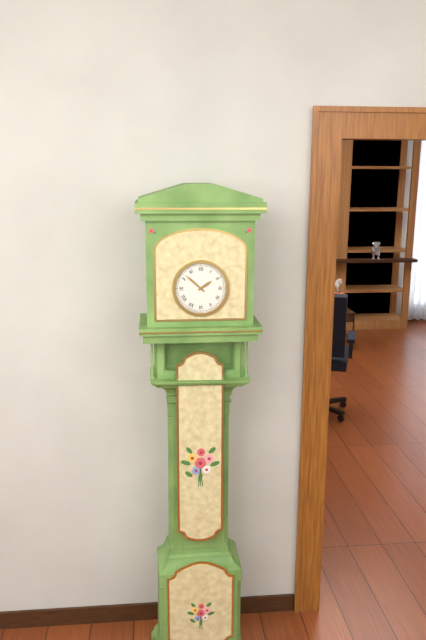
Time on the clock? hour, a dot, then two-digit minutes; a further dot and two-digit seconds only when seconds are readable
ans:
1.52
